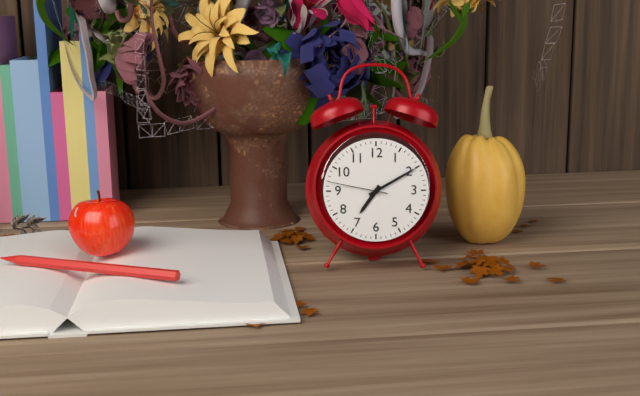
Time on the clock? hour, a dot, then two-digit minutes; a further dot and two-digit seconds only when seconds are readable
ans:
7.10.47
